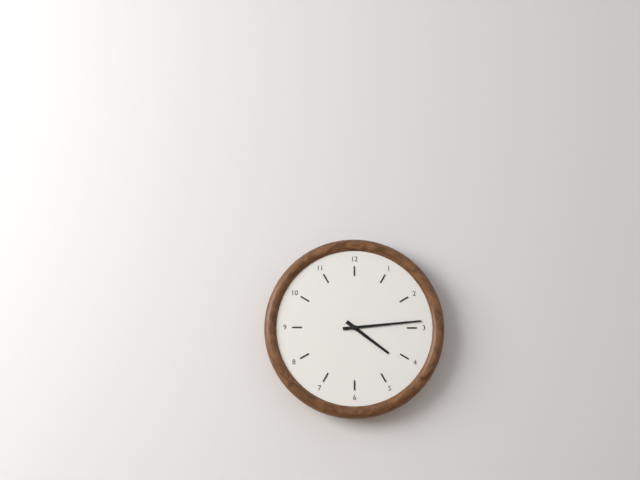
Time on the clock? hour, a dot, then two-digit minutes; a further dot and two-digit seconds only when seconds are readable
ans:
4.14
